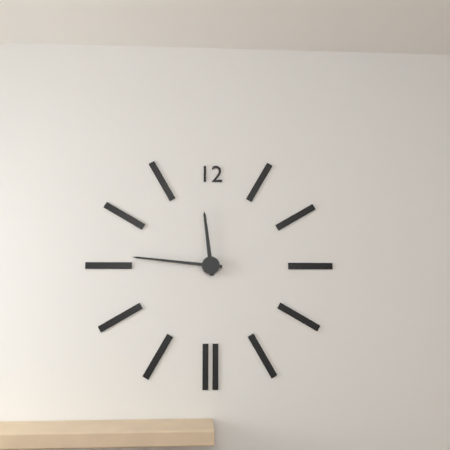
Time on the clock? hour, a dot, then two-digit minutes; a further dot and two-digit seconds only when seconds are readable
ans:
11.46
